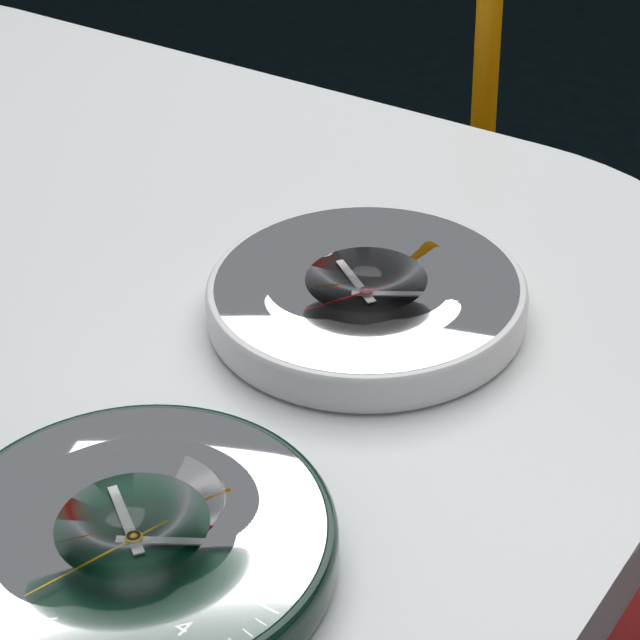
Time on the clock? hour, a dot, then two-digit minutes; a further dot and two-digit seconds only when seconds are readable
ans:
10.10.35
